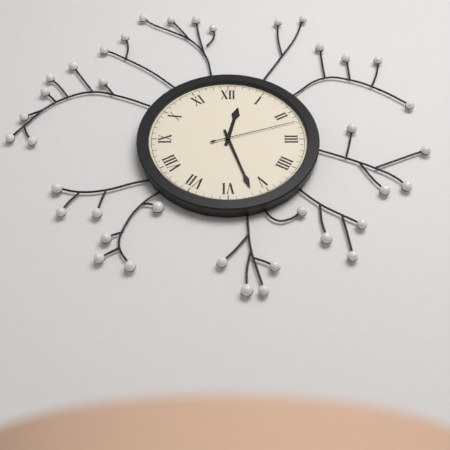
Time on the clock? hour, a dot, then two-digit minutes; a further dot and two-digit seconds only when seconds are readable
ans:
12.27.12
